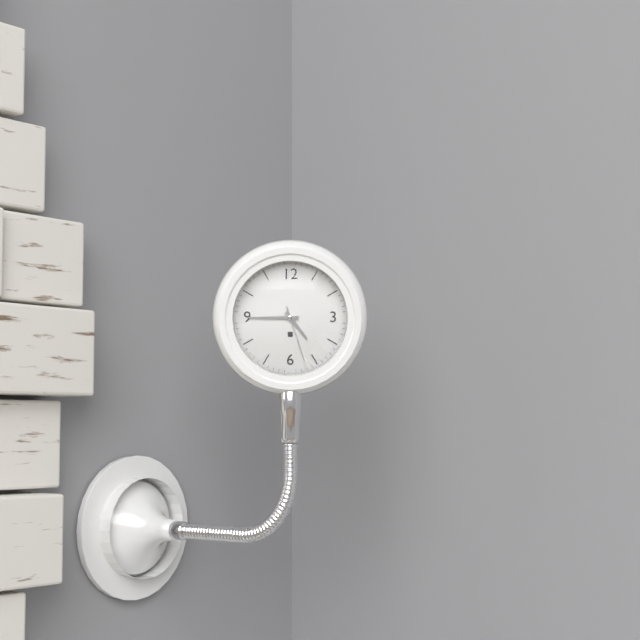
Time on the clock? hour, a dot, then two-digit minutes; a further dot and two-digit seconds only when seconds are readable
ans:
4.45.27
